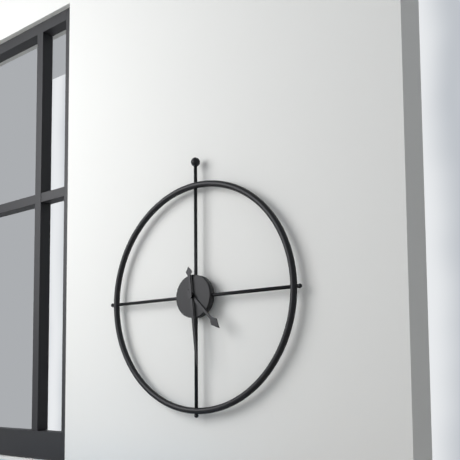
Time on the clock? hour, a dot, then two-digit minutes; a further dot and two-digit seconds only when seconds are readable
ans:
4.29
